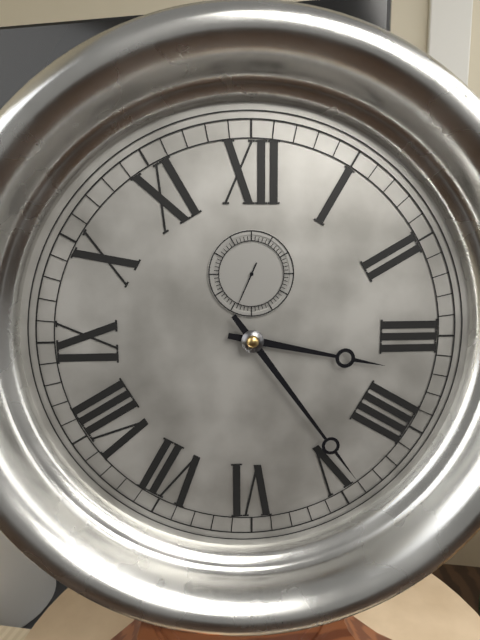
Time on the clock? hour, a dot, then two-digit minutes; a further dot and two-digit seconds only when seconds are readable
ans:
3.24
